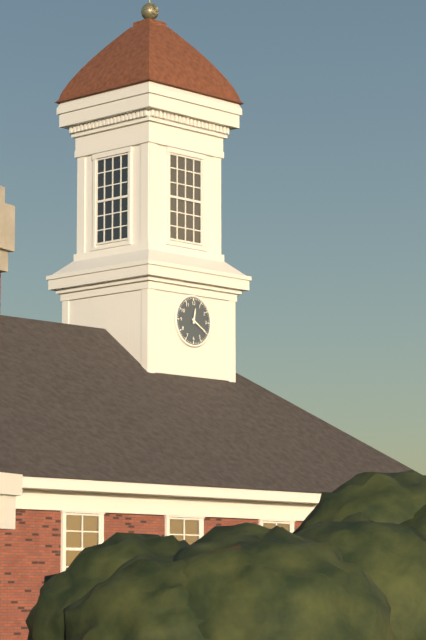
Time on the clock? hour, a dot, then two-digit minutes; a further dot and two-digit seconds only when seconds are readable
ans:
12.20
